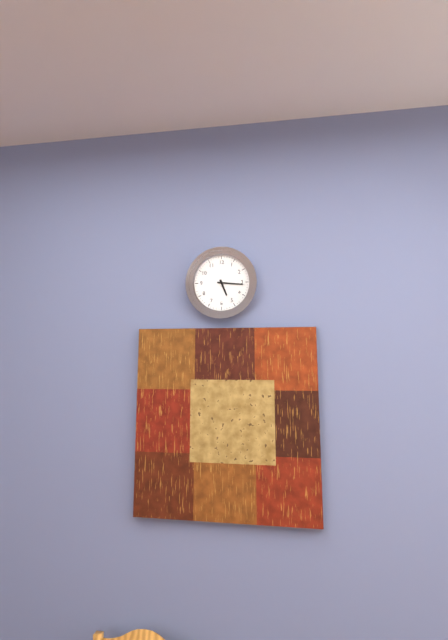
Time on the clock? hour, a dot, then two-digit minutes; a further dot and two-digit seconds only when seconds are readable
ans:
5.16
